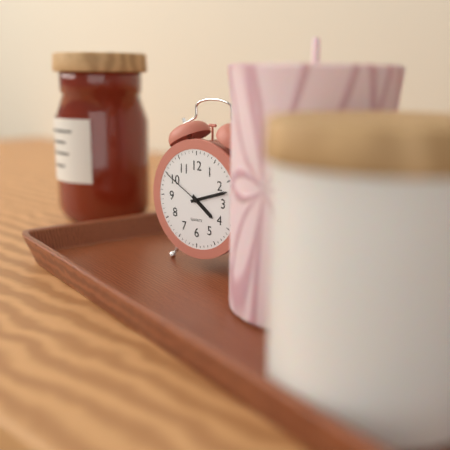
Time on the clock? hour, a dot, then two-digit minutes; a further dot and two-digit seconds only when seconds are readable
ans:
4.12.50
